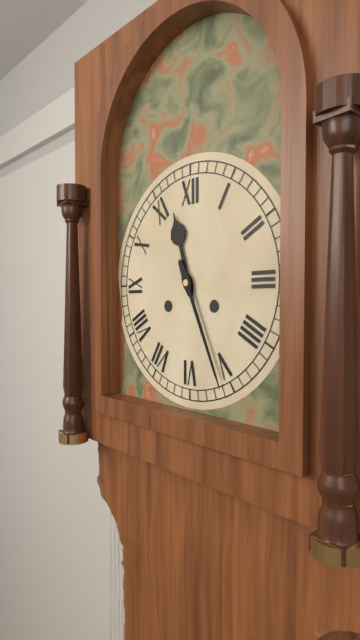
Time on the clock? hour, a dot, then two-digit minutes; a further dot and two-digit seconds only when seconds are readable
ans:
11.26
